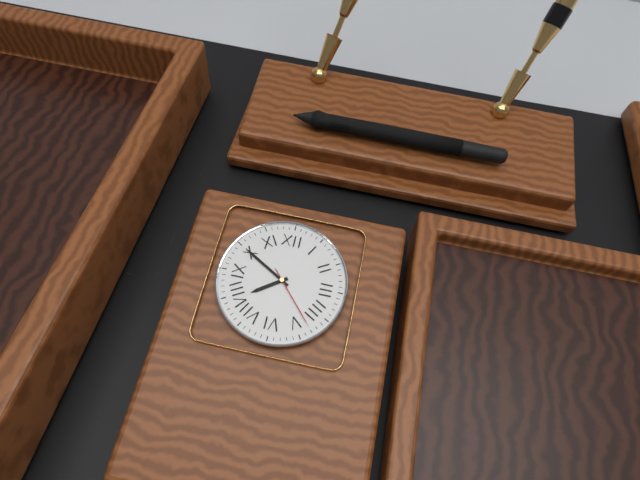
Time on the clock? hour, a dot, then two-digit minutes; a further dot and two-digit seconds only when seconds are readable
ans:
7.50.23
